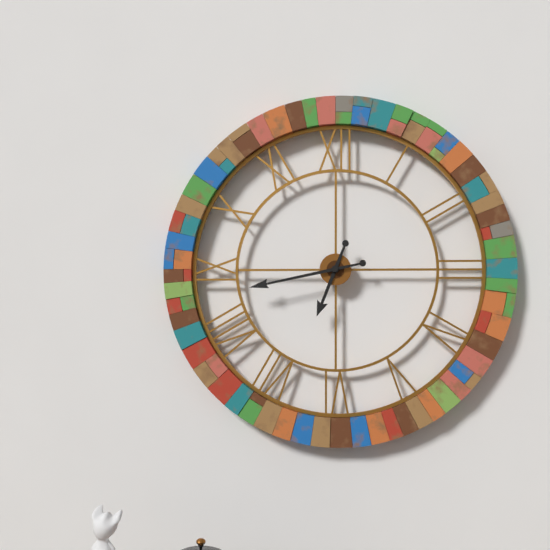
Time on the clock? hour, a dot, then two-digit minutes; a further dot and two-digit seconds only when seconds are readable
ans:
6.43
